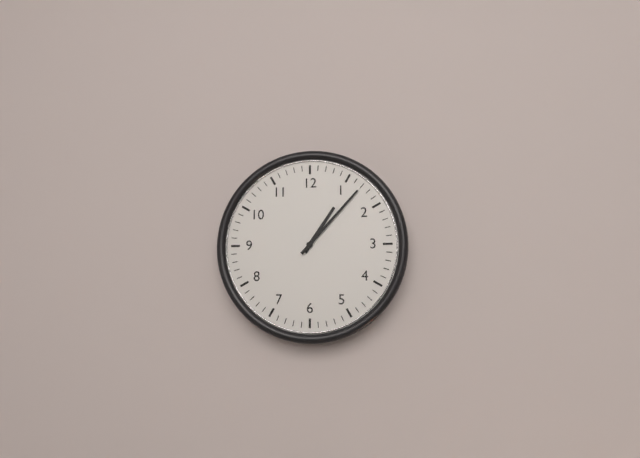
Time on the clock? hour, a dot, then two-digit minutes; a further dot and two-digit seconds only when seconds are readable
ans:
1.07
